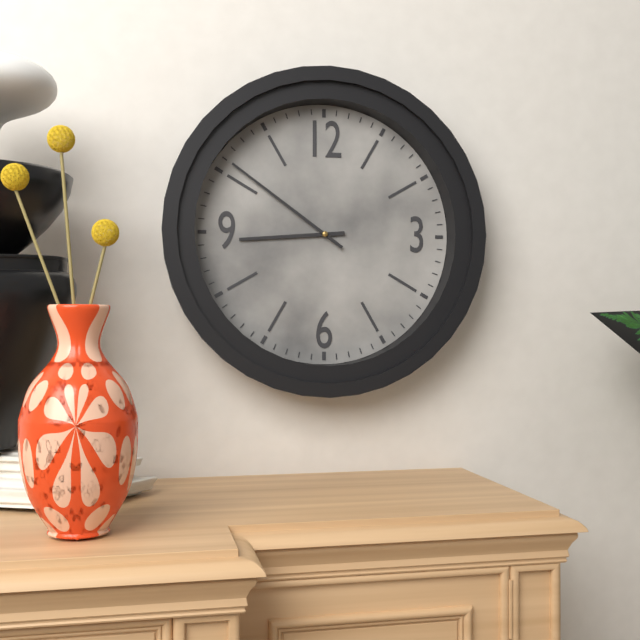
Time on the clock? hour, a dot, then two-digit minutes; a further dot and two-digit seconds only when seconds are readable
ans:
8.51
